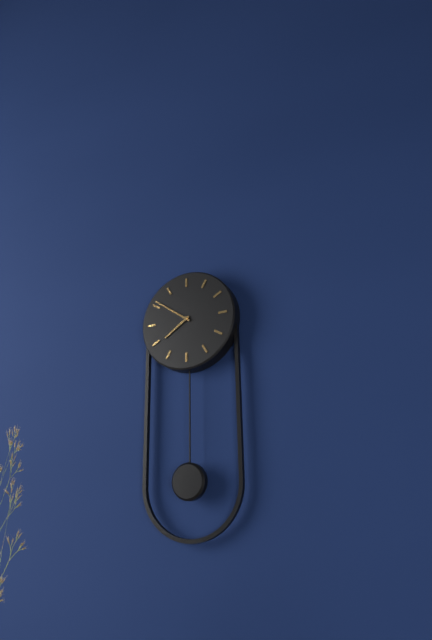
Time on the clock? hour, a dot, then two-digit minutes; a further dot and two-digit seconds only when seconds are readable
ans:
7.51
